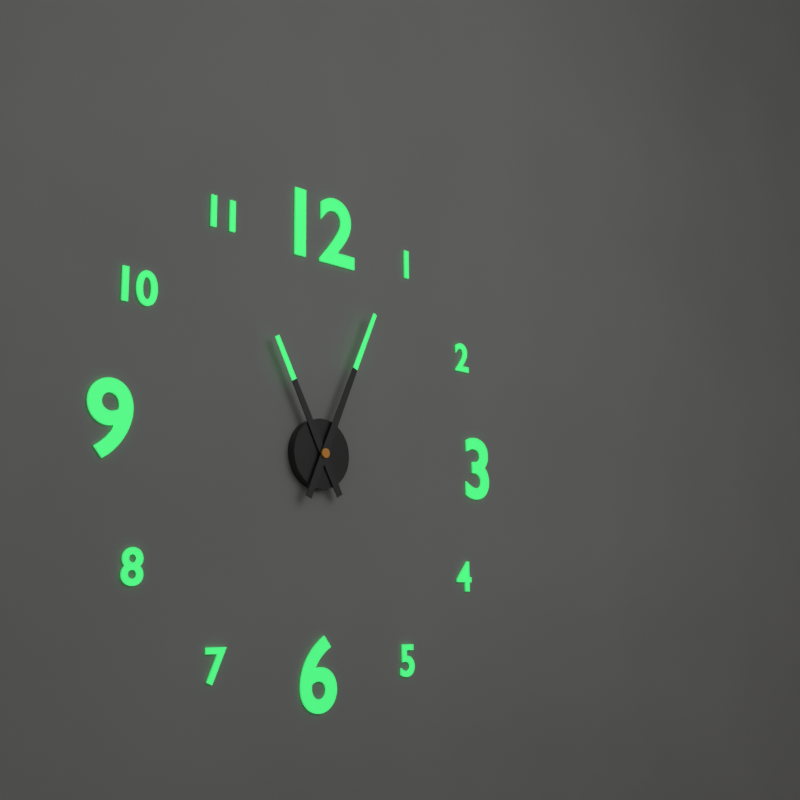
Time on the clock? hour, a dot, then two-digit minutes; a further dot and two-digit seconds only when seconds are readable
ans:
11.04
